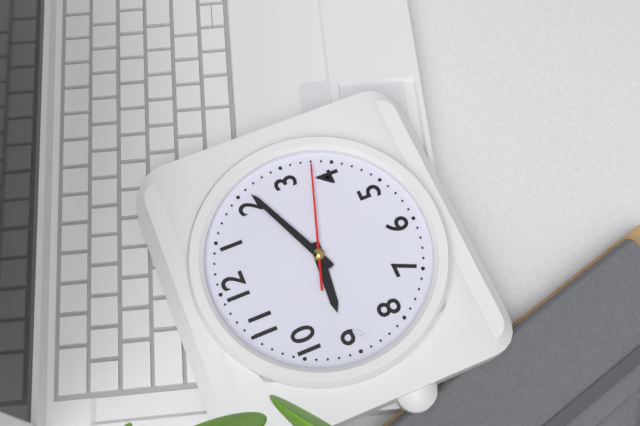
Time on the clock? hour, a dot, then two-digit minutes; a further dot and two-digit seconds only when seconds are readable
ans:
9.11.18
